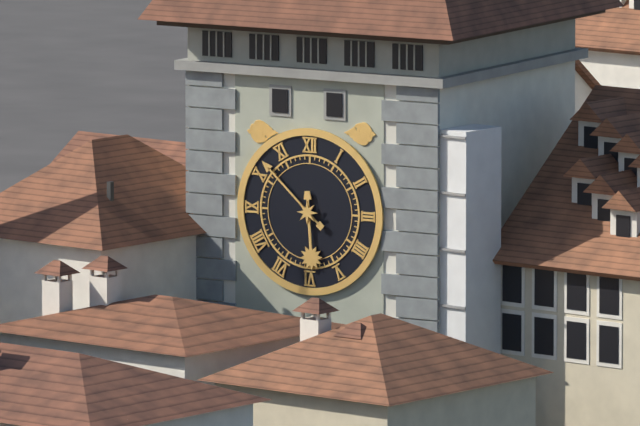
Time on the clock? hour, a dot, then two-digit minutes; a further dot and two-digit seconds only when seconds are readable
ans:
5.52
